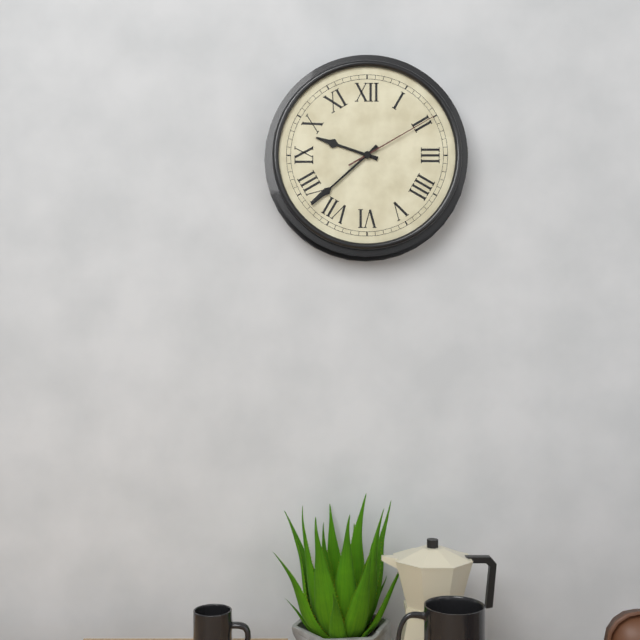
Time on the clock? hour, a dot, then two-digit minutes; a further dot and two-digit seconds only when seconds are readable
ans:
9.38.10
